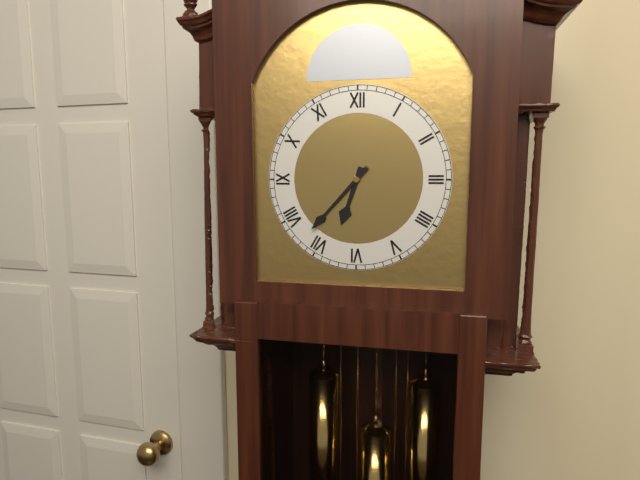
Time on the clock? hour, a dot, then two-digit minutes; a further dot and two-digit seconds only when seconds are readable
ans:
6.37
